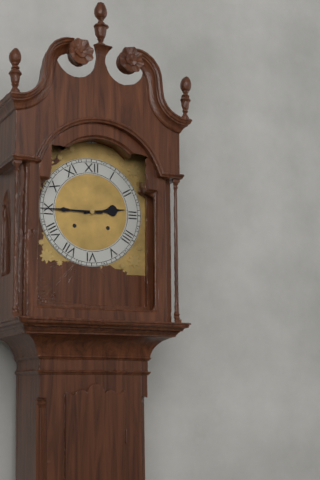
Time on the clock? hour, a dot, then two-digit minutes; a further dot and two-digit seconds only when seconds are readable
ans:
2.45
